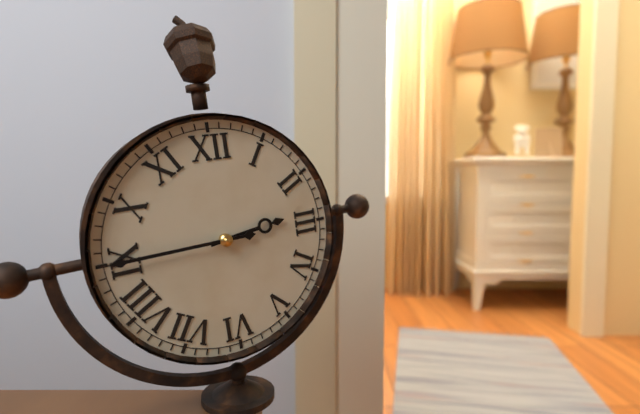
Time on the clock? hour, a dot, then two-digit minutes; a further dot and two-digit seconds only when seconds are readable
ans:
2.45
